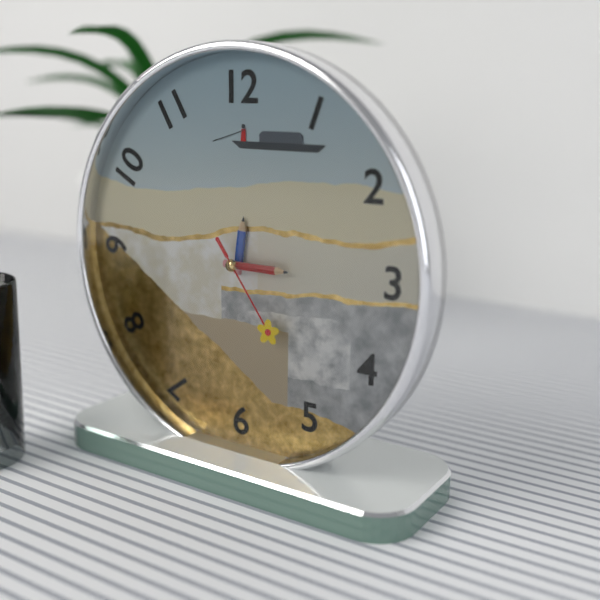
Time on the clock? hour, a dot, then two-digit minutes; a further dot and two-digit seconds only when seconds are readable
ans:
12.15.24
